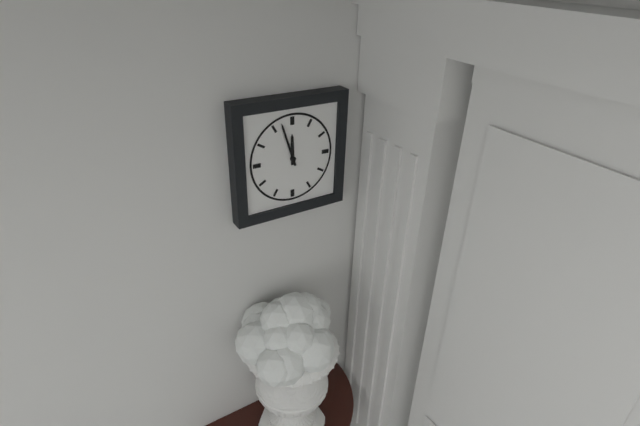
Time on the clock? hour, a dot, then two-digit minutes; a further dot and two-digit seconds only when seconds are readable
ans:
11.57
